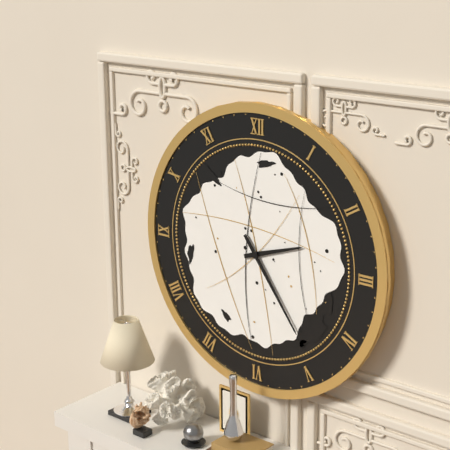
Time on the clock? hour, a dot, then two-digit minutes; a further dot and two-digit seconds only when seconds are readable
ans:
2.24
